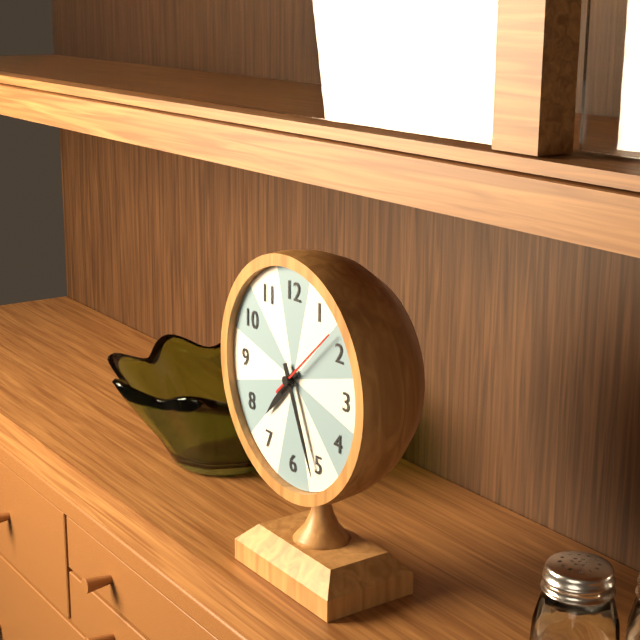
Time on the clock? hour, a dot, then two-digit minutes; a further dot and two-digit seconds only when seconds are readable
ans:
7.26.08
